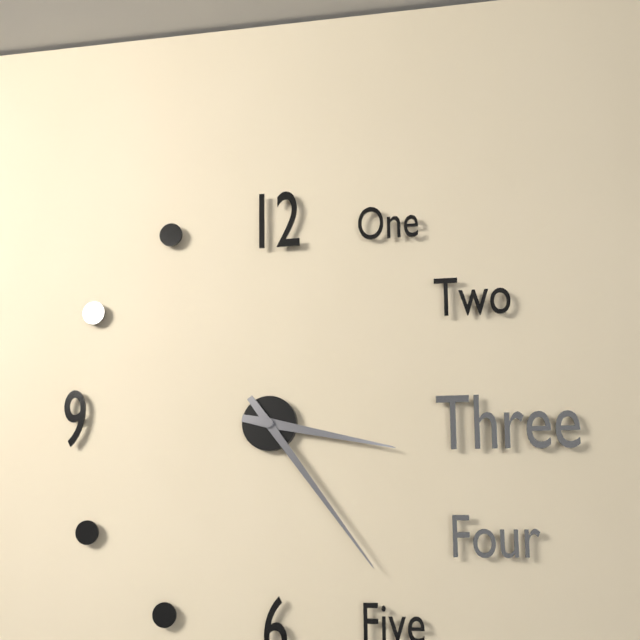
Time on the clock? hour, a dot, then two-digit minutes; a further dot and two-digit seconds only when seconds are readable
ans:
3.24
